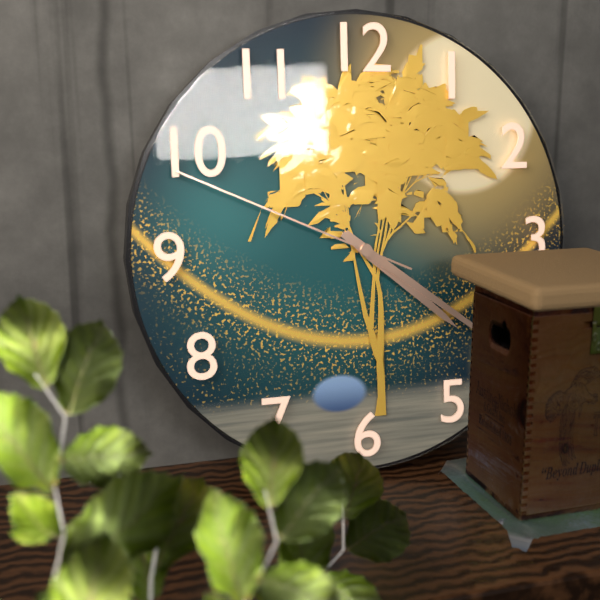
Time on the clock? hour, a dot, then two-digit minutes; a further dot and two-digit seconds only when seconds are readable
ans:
4.21.49
